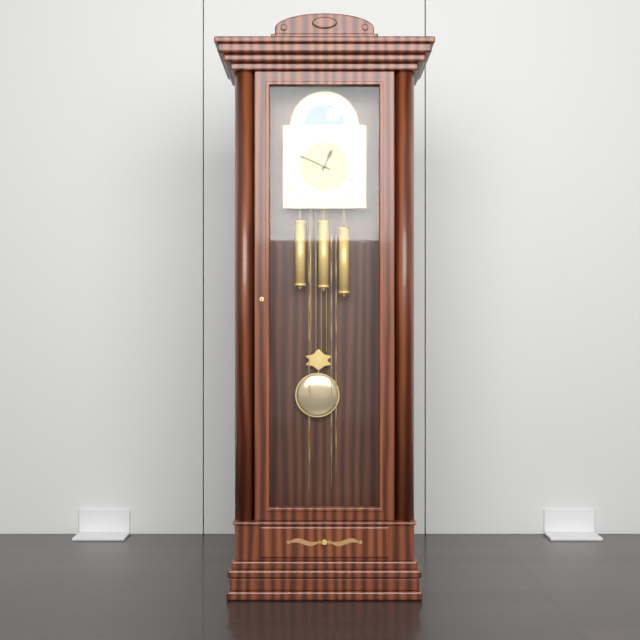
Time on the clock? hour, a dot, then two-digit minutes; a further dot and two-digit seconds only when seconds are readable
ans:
12.49
